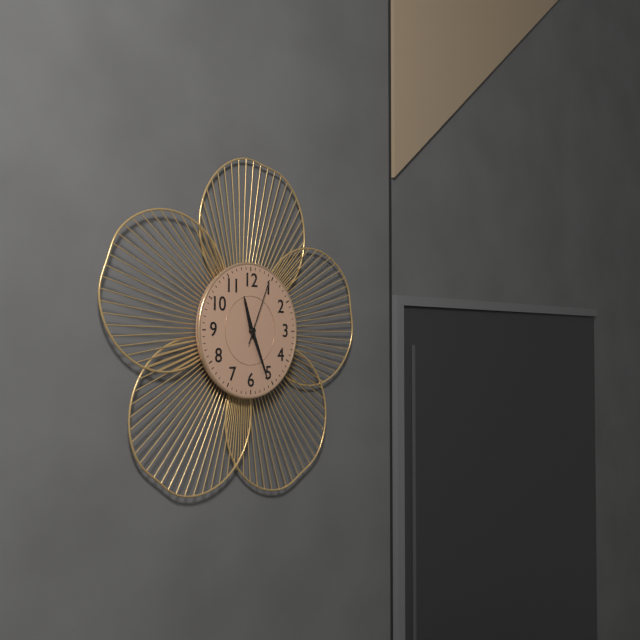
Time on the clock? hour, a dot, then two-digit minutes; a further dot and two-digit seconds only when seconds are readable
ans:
11.26.04
